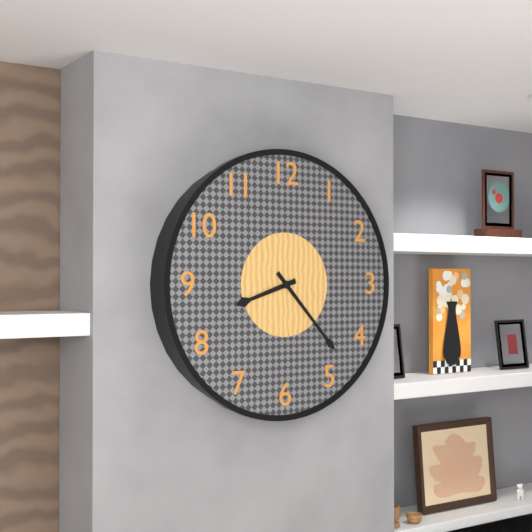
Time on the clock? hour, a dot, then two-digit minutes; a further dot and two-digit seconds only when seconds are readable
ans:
8.23
